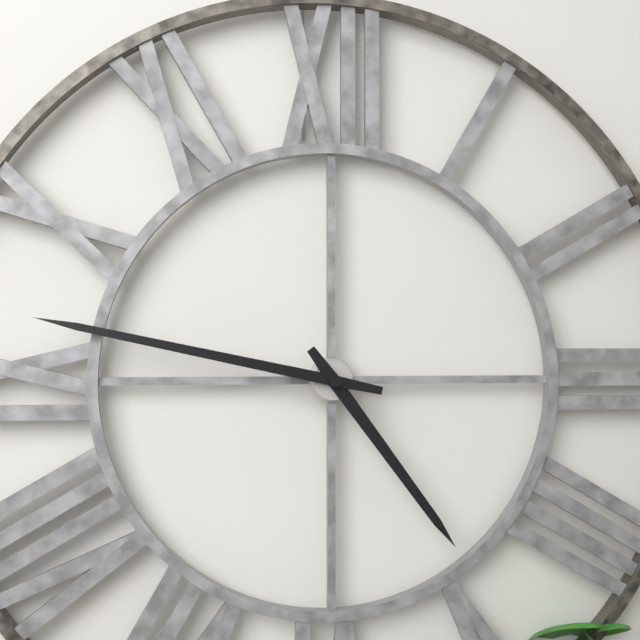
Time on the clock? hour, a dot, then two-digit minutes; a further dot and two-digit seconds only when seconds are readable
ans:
4.47
